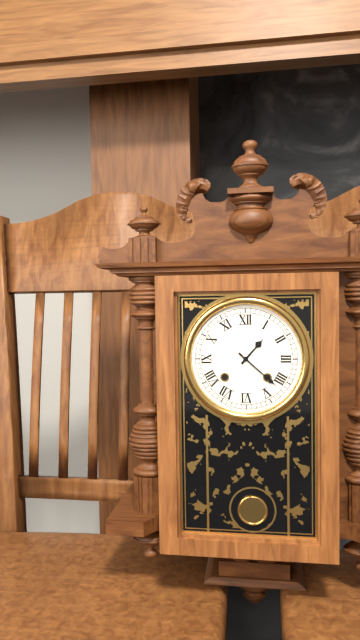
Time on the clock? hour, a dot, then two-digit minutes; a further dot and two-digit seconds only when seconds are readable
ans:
1.22
